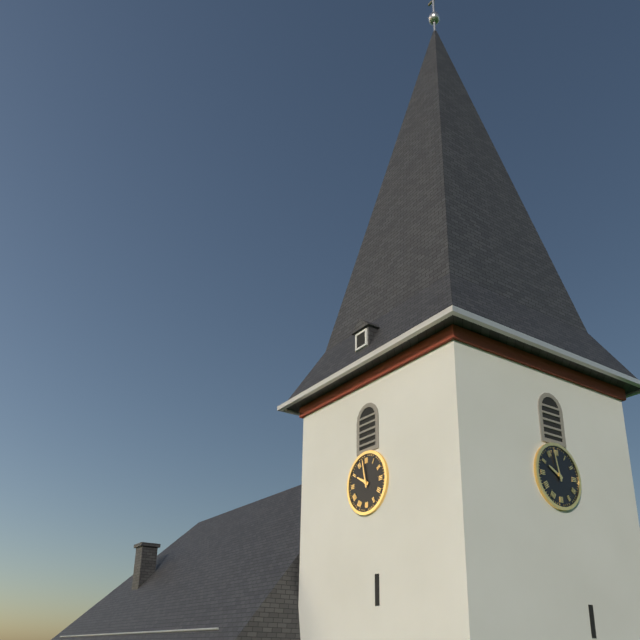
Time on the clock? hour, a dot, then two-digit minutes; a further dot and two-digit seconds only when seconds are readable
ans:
9.58
